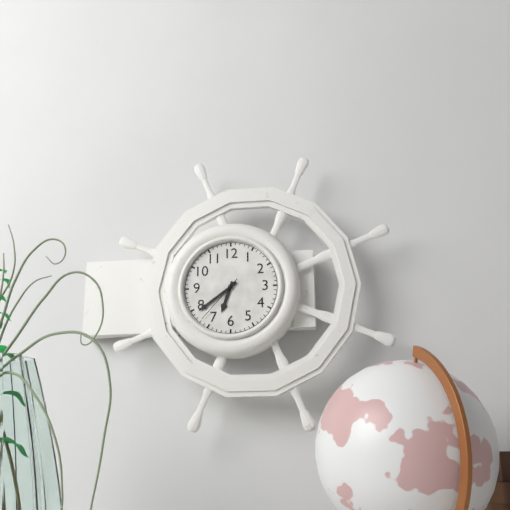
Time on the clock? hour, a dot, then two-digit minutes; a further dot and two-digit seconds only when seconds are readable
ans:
6.39.37
